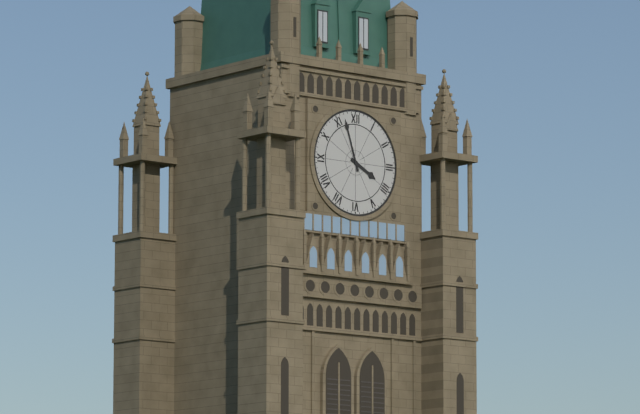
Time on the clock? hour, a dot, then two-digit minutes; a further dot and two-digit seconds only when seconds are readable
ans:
3.57
